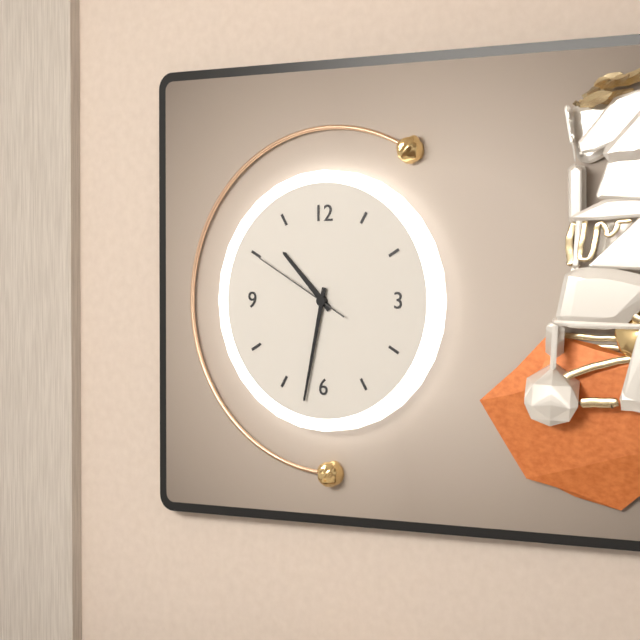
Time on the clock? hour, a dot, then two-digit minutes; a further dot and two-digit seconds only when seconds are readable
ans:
10.32.50
